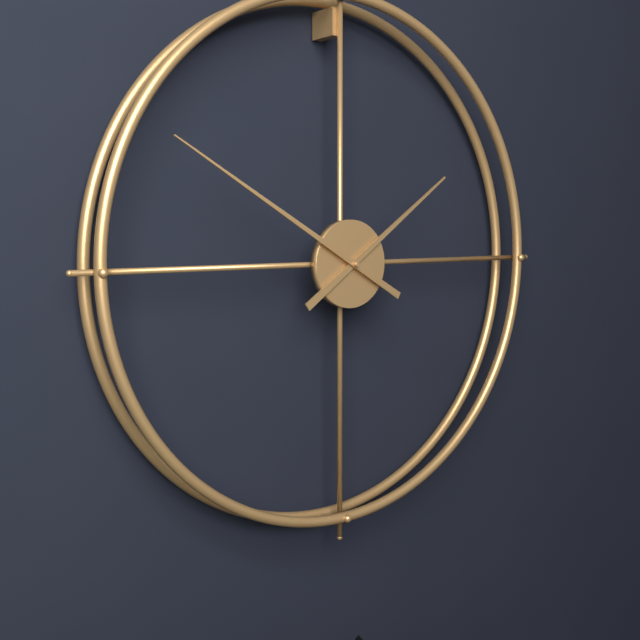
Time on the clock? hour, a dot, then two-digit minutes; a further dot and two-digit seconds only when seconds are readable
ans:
1.50
